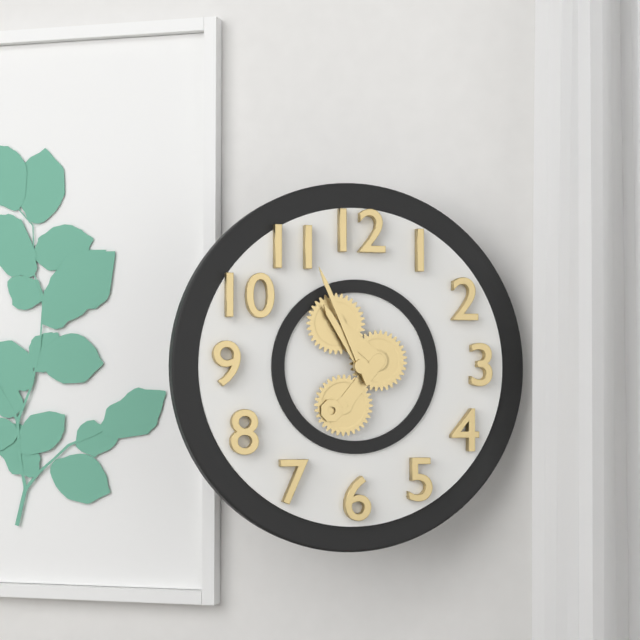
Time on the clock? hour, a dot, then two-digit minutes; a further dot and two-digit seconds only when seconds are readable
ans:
10.56
